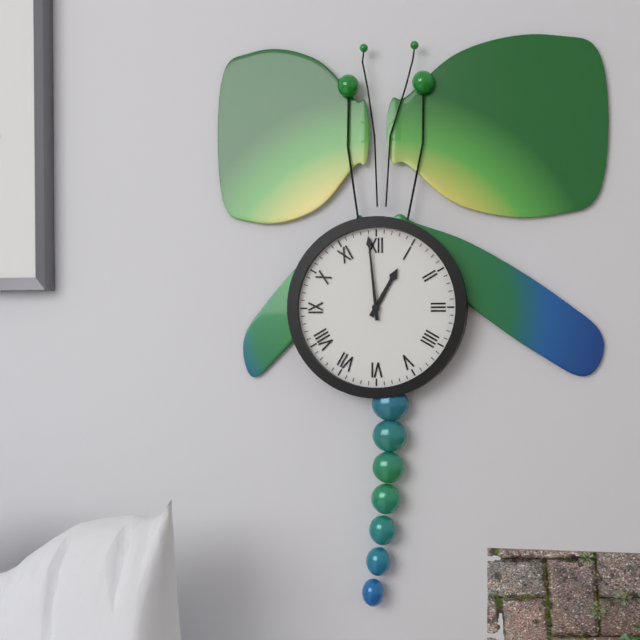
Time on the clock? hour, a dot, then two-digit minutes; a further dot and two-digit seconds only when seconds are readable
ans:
12.59
